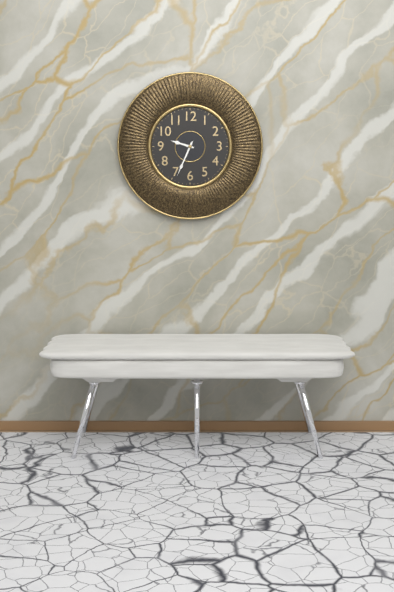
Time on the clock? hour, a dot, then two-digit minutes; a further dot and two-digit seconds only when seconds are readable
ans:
9.34
